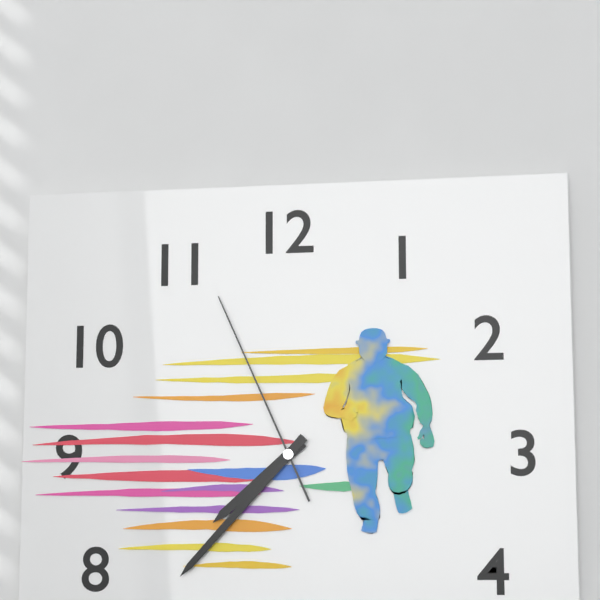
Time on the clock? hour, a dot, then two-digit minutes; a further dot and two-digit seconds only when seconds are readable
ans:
7.37.56
